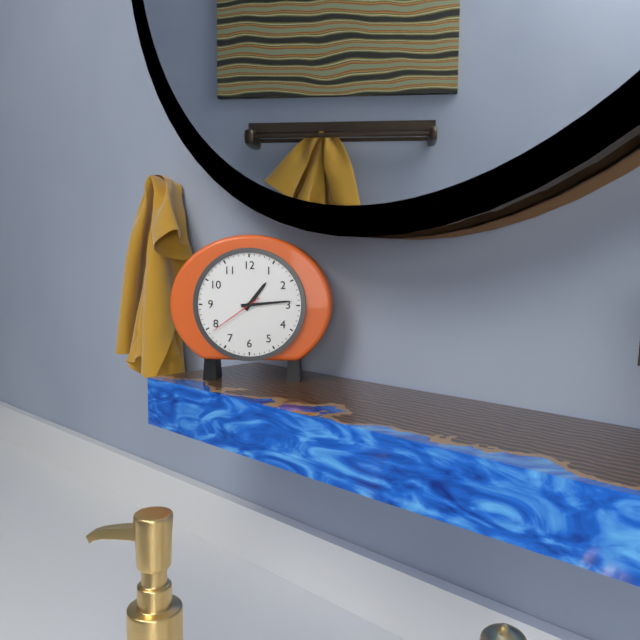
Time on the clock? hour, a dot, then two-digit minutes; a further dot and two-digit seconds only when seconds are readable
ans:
1.14.39
